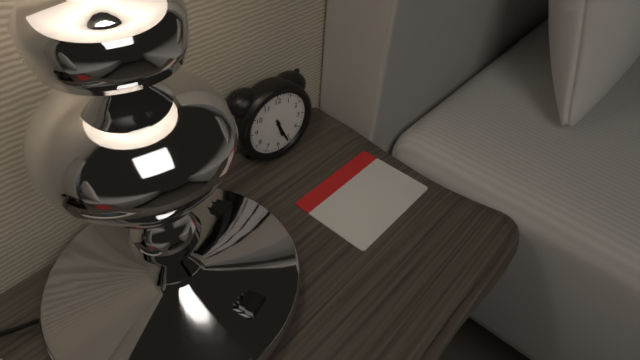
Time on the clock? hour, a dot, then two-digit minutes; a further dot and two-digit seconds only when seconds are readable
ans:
5.26
